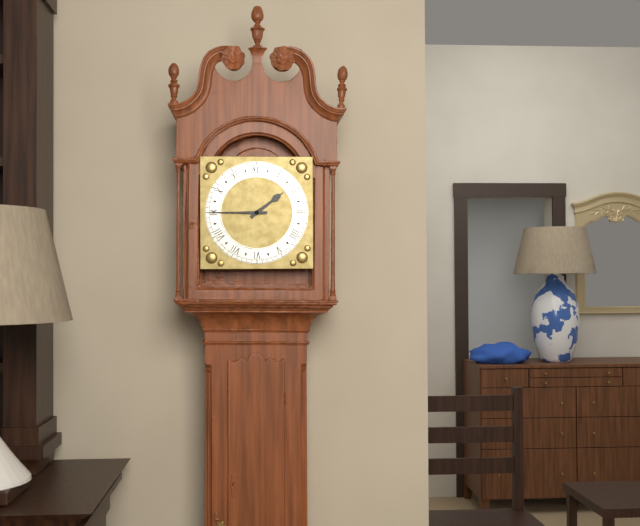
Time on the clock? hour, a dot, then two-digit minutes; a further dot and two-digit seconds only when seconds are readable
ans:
1.45
